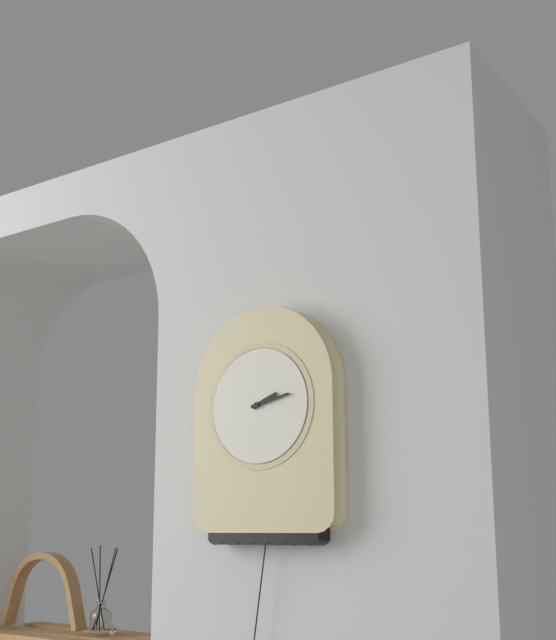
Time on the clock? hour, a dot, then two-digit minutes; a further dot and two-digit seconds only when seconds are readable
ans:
2.13
